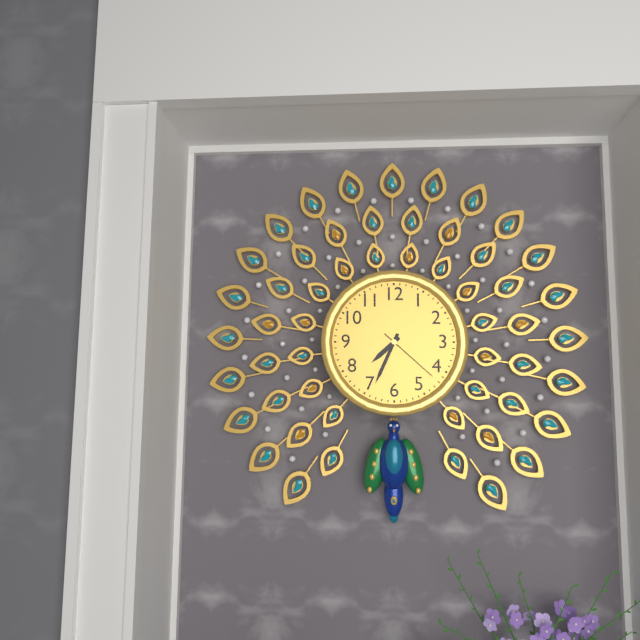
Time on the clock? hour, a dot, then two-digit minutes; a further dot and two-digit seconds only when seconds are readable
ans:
7.34.22
